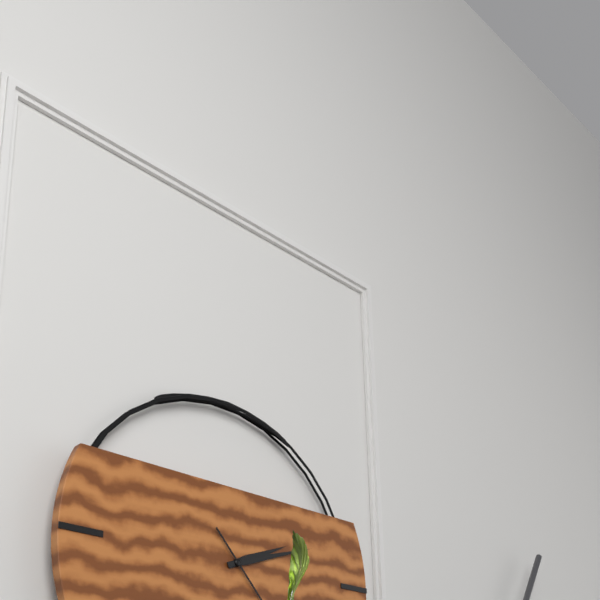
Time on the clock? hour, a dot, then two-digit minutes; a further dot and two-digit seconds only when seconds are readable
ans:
2.12
